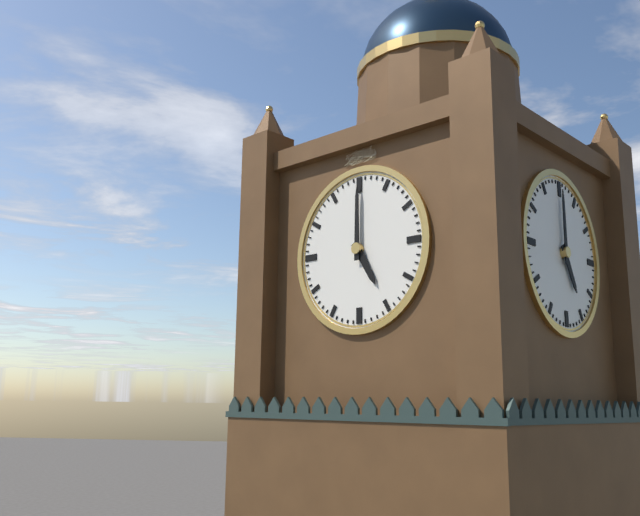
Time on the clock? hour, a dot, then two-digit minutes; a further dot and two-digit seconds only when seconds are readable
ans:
5.00
